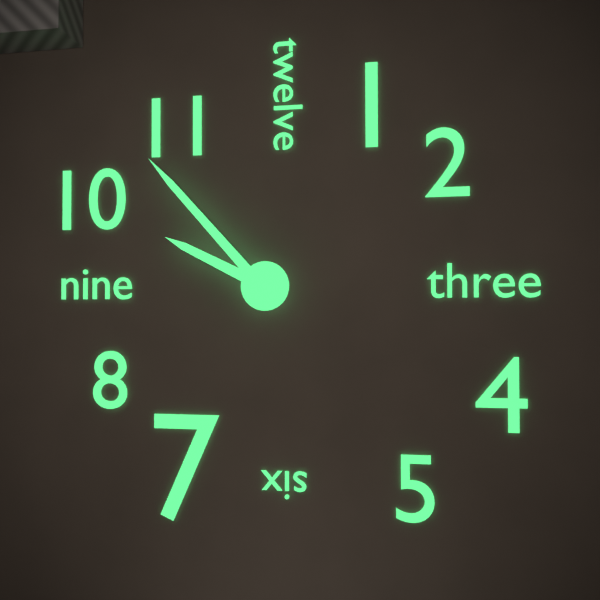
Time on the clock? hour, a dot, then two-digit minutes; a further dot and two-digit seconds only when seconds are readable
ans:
9.53
